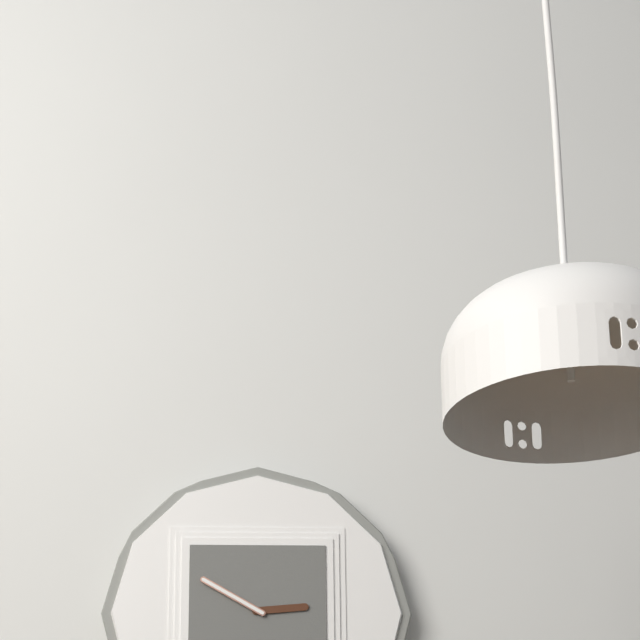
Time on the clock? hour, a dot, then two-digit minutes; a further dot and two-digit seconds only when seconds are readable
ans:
2.50
